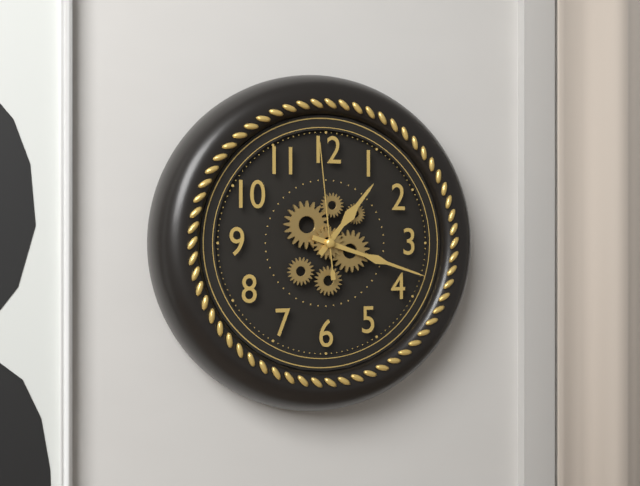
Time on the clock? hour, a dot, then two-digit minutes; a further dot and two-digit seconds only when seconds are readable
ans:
1.18.59
